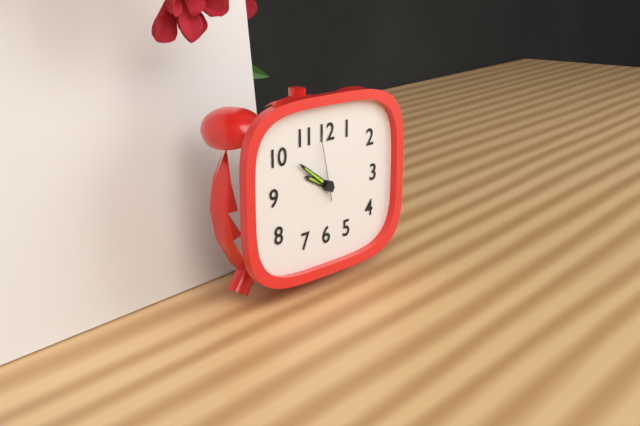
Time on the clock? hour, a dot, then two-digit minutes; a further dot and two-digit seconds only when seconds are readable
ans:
9.51.58
